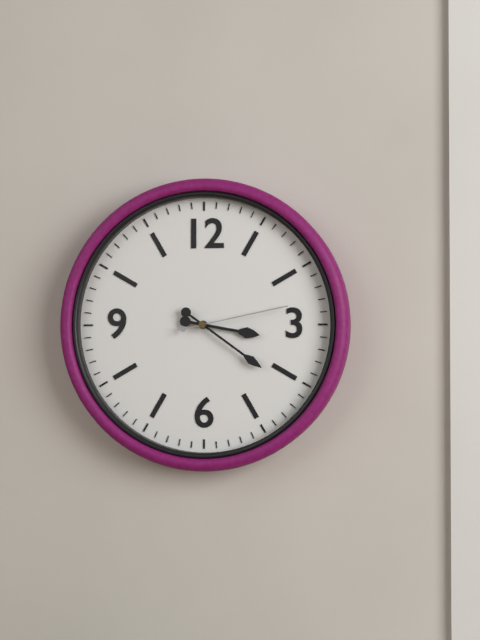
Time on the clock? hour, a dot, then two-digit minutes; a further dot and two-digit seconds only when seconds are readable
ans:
3.21.13
